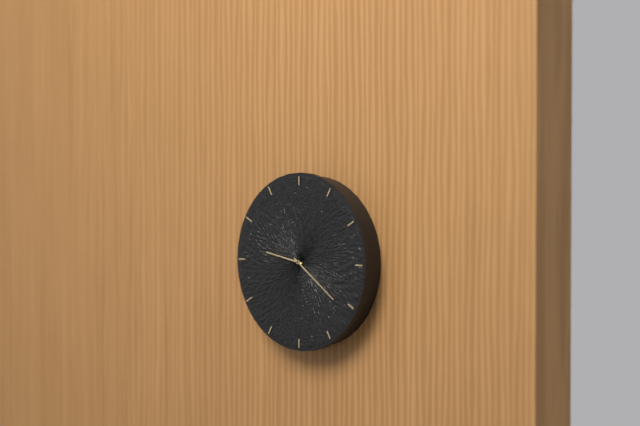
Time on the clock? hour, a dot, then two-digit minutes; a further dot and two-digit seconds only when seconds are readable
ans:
9.21
